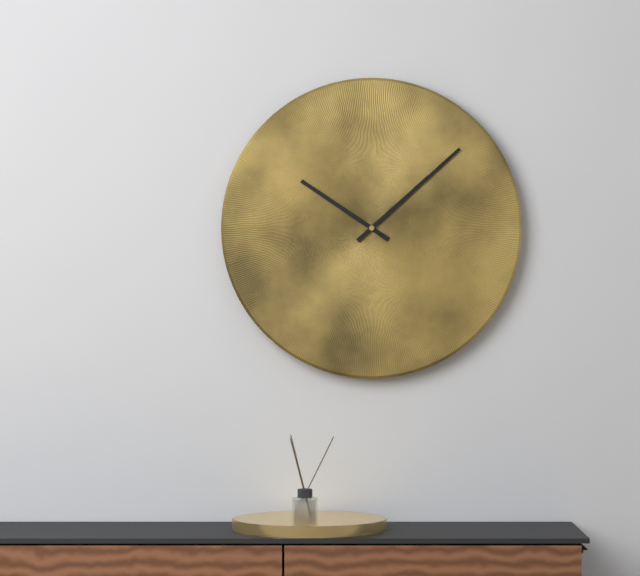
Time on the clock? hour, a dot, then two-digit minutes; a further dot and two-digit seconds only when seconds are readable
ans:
10.08
